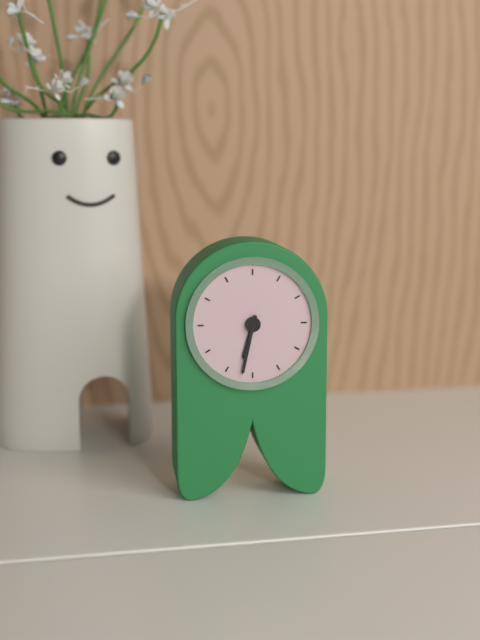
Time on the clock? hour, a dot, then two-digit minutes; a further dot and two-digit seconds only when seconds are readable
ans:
6.32
